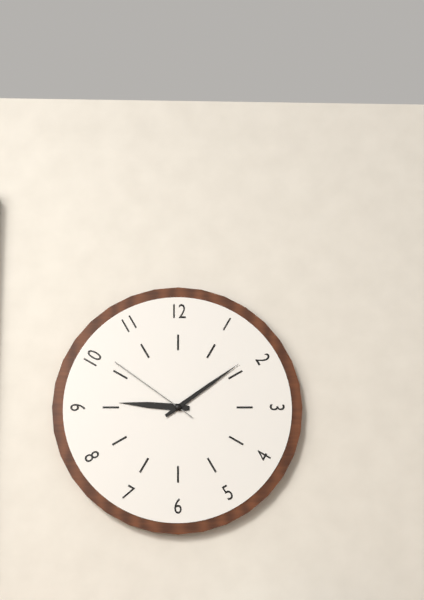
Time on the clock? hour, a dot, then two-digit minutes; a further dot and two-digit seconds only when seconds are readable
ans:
9.09.51
